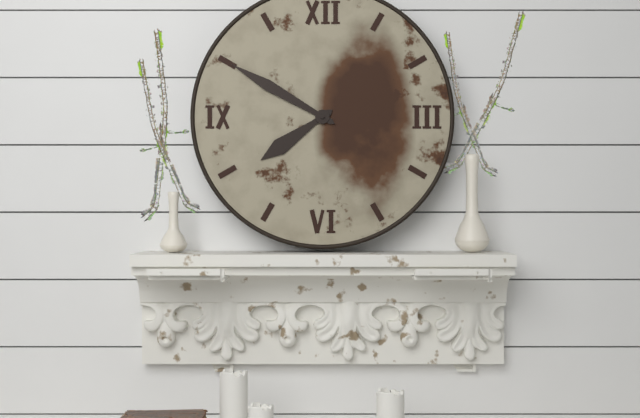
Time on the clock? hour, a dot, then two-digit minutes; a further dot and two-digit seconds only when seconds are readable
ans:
7.50
